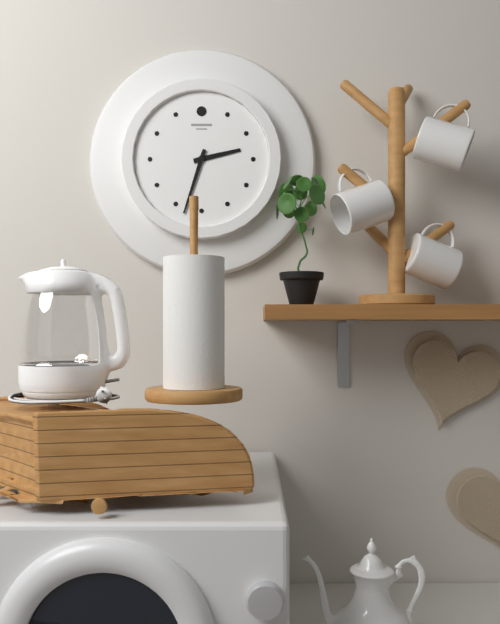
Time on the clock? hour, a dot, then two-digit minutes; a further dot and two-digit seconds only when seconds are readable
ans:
2.33
